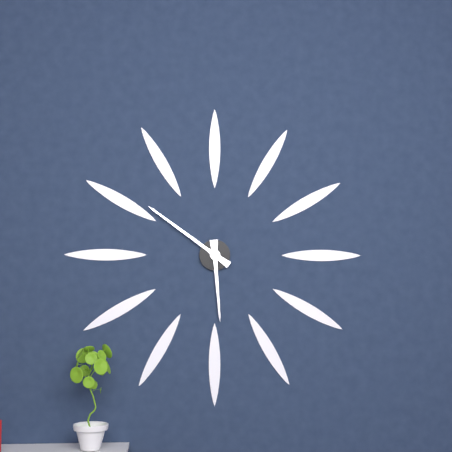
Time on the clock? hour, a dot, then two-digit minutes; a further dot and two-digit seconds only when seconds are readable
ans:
5.51
